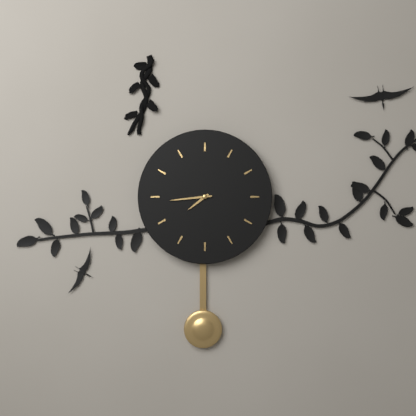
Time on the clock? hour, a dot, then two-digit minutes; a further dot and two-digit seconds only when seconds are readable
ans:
7.44
